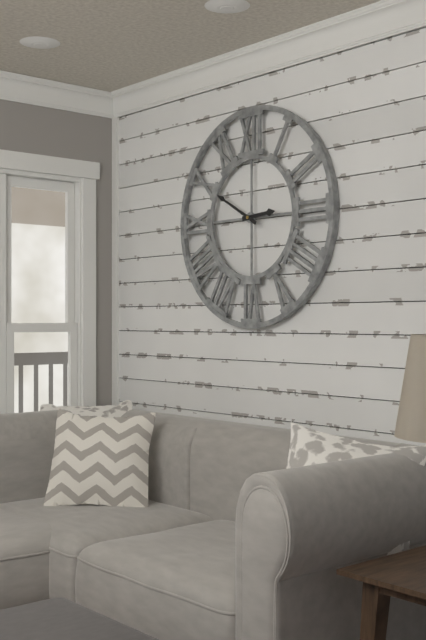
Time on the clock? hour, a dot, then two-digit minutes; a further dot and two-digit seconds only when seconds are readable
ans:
2.50
